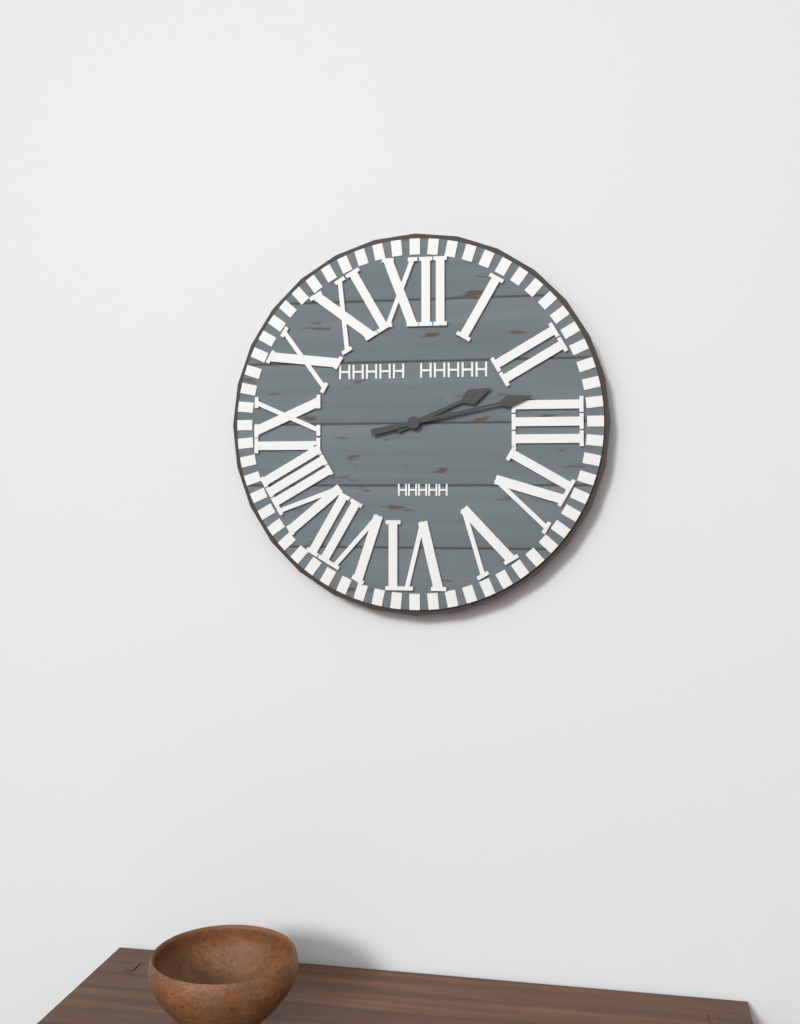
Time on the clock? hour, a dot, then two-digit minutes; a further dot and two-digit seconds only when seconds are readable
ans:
2.13
